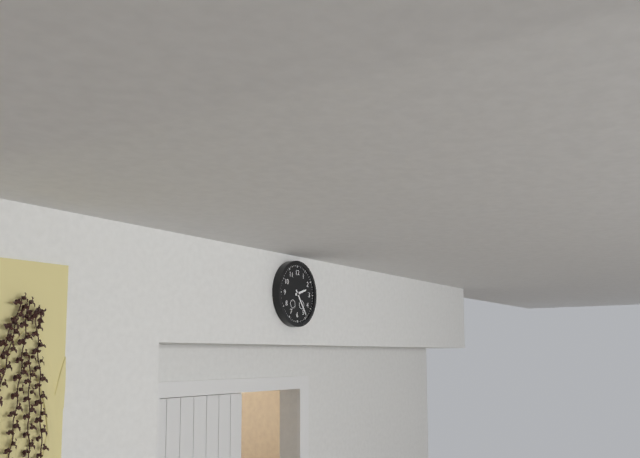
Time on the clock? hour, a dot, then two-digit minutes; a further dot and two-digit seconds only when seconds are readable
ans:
2.24
